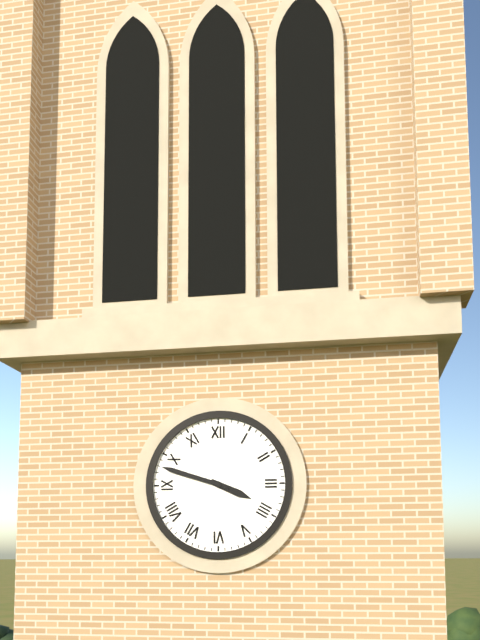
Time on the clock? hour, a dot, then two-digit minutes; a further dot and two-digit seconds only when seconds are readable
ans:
3.48
